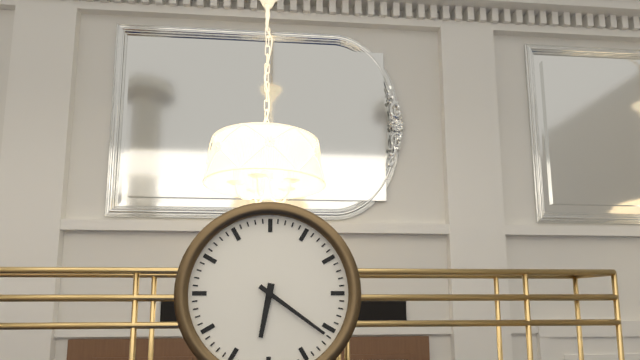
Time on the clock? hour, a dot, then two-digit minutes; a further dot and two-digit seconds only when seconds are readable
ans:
6.21
